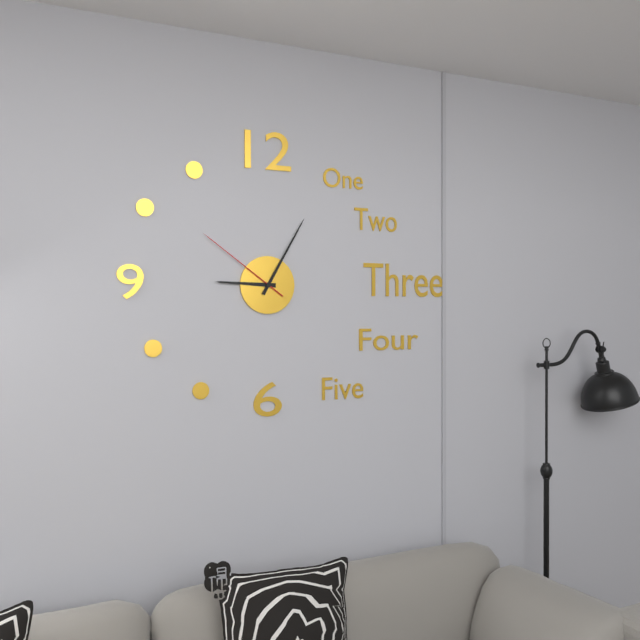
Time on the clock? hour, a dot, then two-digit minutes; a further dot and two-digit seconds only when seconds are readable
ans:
9.05.51
